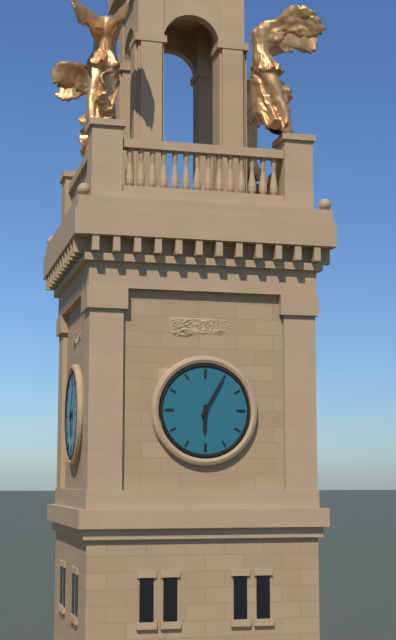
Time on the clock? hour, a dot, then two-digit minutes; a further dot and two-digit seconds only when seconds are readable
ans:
6.05
